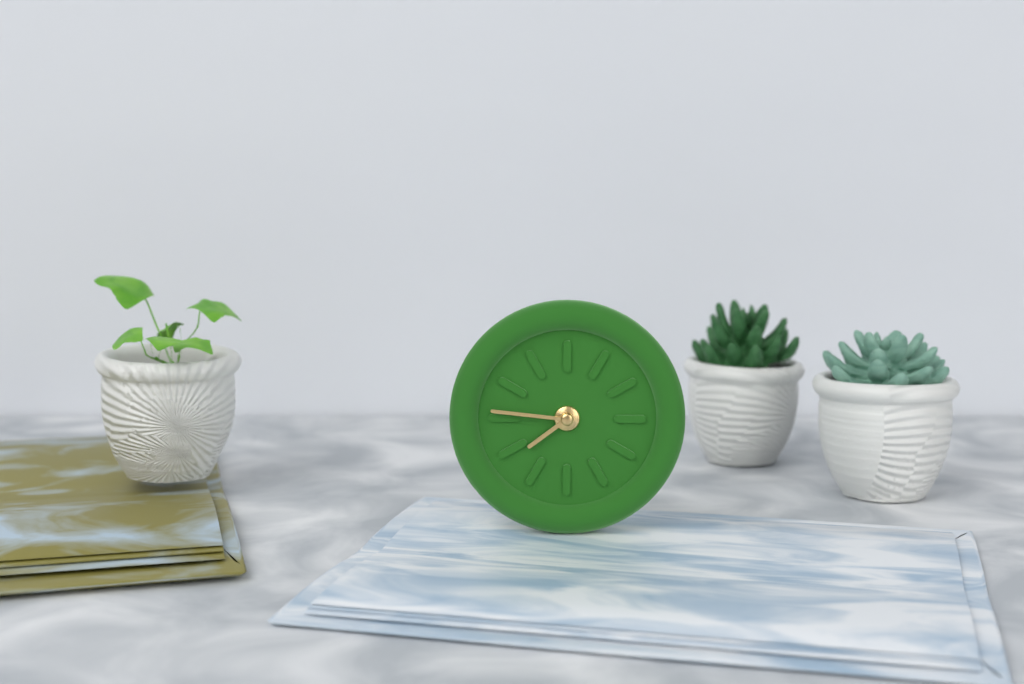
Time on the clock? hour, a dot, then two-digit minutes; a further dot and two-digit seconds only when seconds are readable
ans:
7.46
